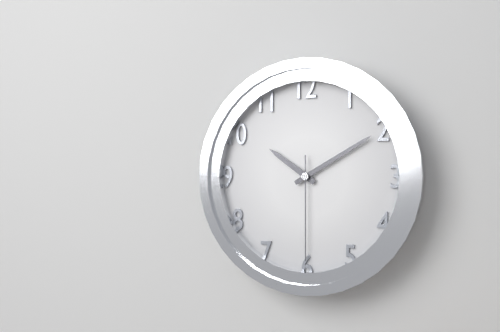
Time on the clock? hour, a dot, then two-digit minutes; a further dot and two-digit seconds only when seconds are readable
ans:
10.10.30
